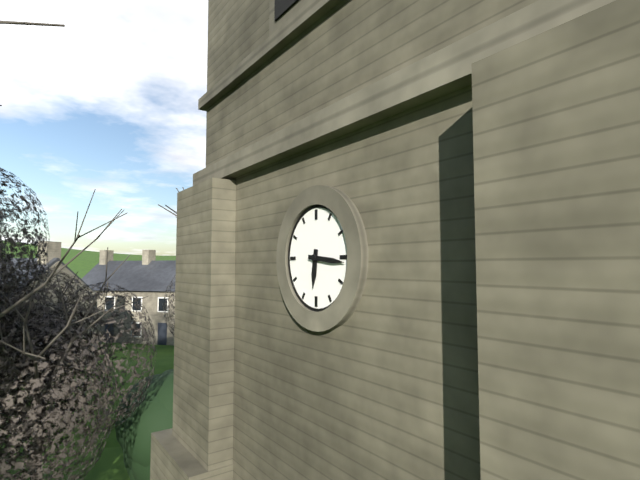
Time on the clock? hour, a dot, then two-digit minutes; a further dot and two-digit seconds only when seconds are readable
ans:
6.16
